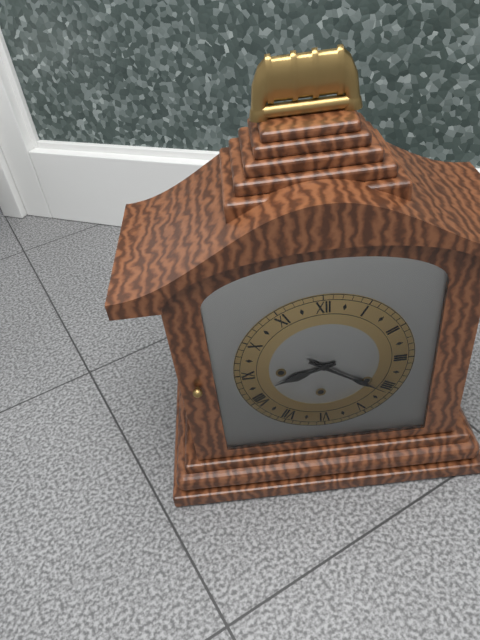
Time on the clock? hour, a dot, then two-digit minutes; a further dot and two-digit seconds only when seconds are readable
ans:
8.21
